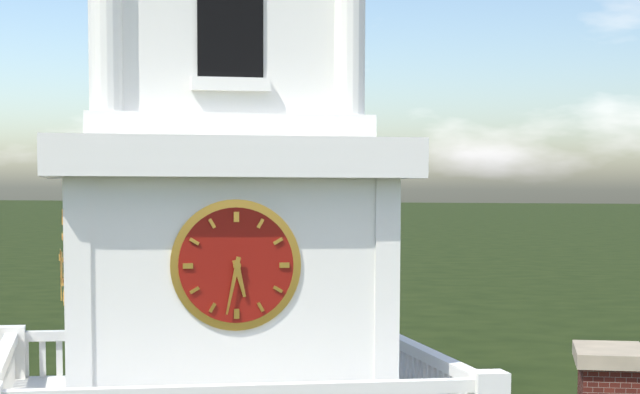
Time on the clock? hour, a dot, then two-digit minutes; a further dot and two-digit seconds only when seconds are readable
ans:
5.32
